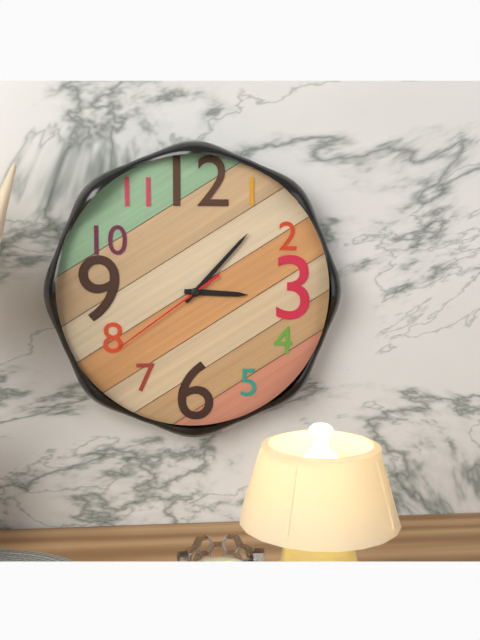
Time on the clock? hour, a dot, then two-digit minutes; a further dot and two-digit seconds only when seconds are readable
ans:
3.07.39
